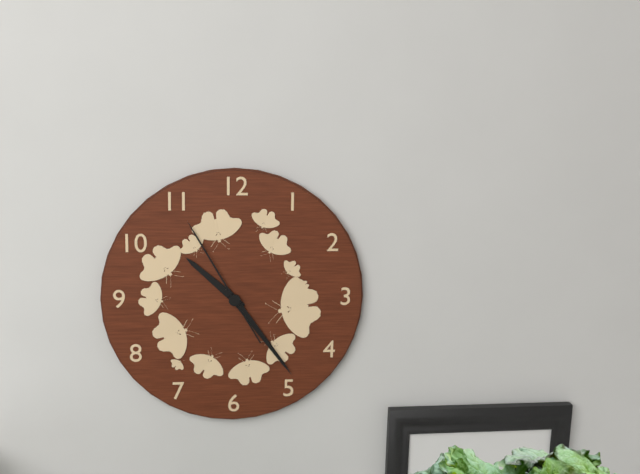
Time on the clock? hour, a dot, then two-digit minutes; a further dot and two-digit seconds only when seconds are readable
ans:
10.24.55
